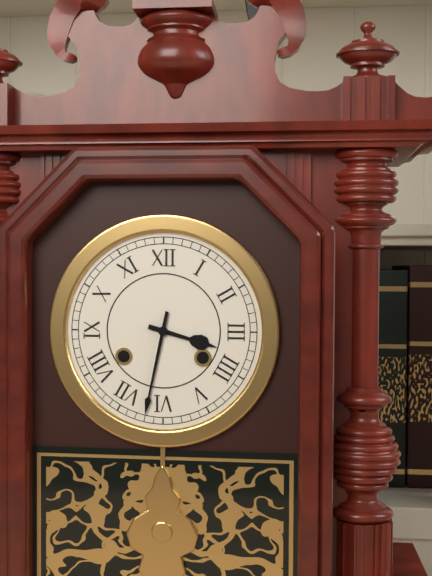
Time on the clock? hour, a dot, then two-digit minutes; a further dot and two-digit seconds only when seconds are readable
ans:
3.32
